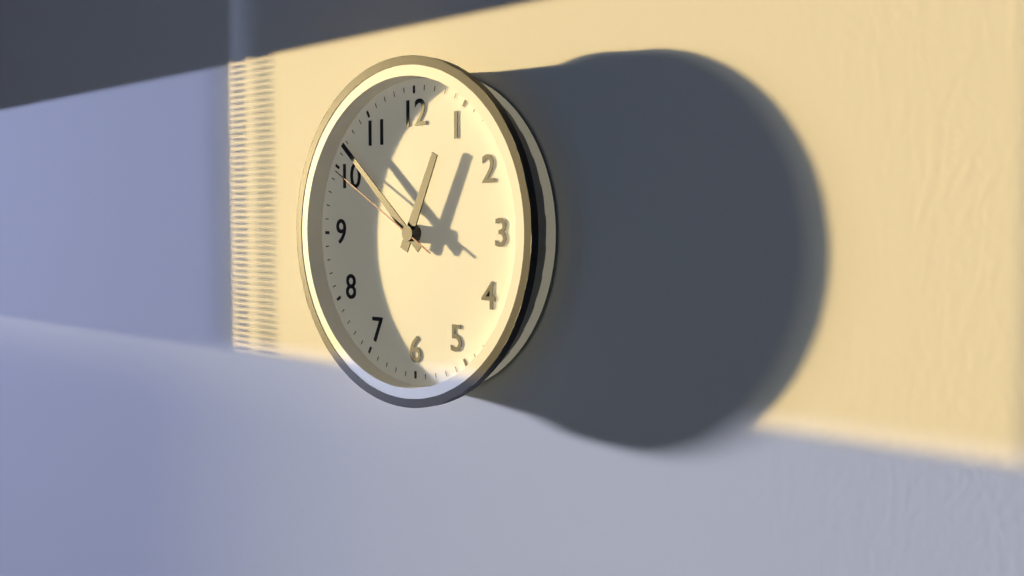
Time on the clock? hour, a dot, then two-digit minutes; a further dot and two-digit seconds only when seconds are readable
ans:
12.52.50
